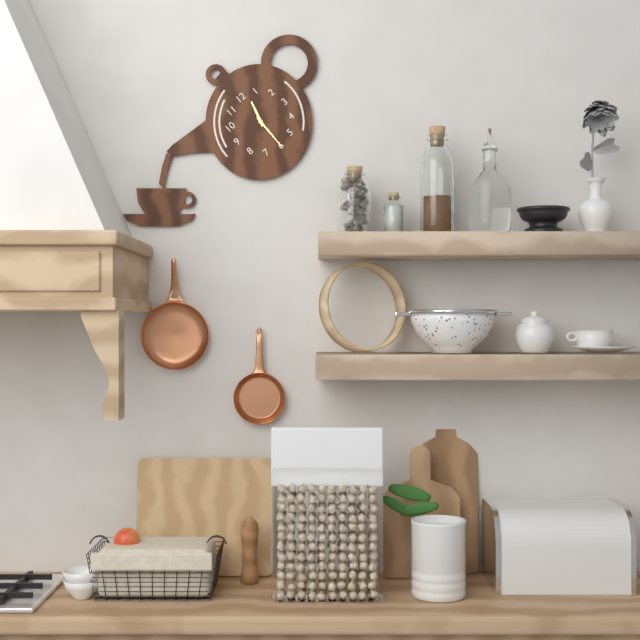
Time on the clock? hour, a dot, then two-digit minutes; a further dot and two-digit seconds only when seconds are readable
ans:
12.30
